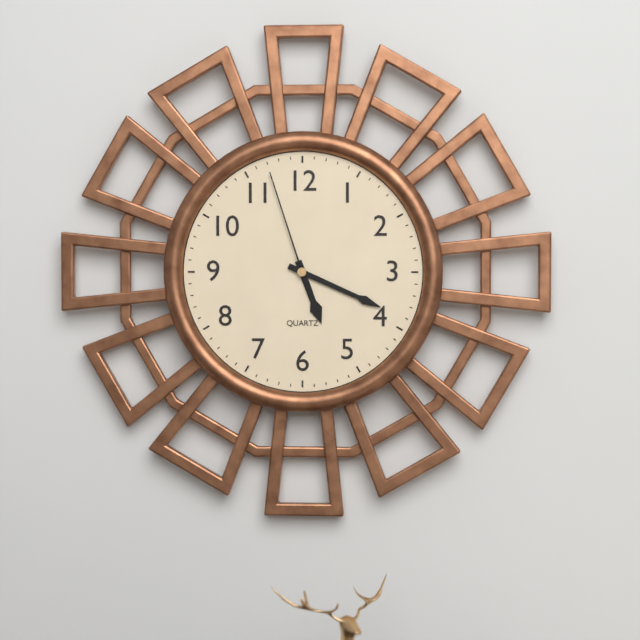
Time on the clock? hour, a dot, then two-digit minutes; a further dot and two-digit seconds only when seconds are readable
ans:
5.19.57
